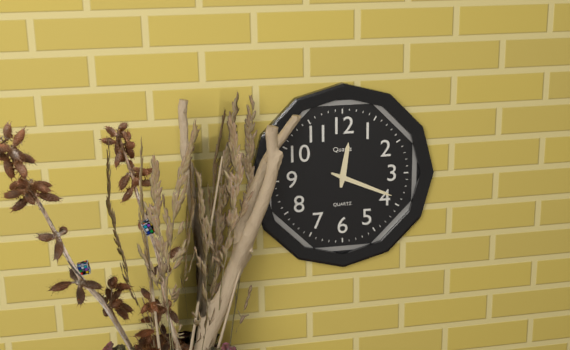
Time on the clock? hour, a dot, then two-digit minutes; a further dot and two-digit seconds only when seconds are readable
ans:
12.19
